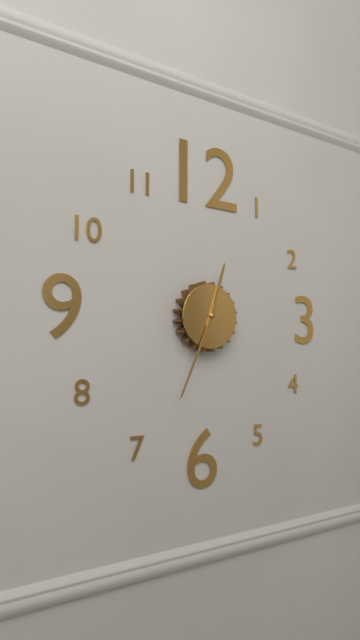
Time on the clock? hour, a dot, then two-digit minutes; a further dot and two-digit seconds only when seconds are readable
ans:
12.34
